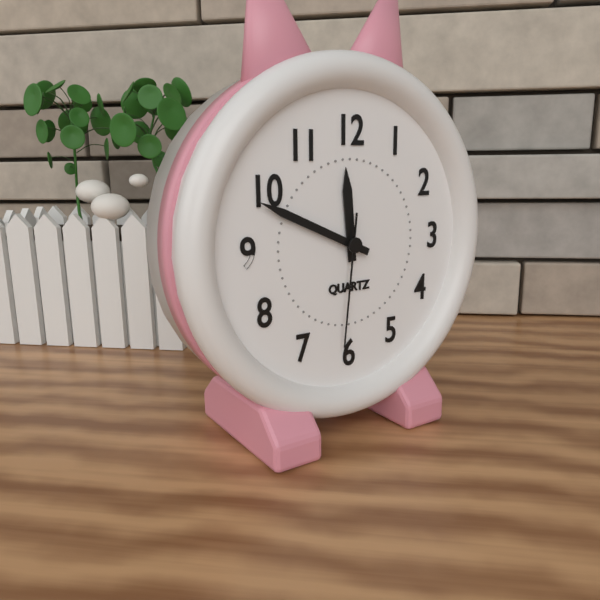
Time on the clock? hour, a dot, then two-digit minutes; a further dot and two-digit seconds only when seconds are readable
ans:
11.49.31
